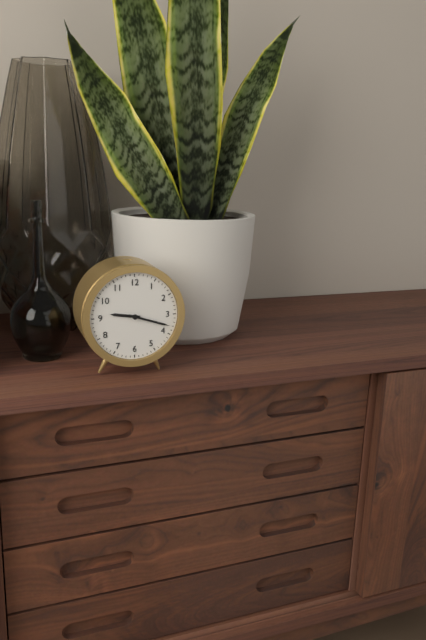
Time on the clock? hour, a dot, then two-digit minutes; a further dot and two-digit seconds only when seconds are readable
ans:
9.18
